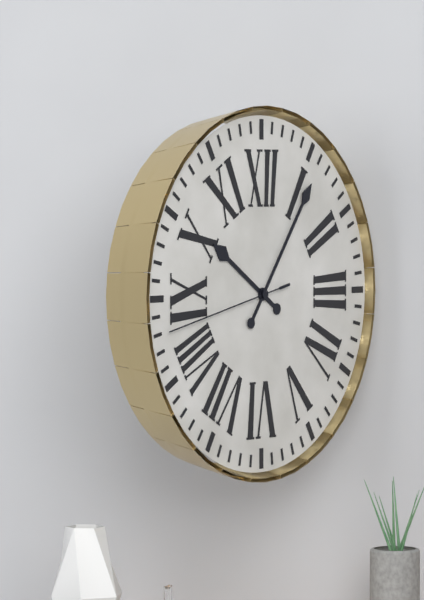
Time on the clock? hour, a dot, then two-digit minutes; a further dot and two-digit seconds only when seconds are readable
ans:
10.06.43
